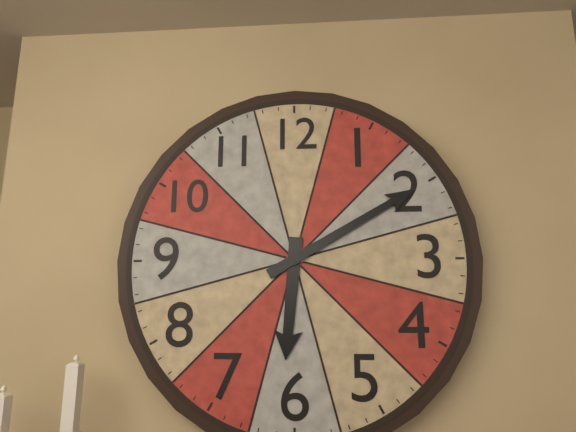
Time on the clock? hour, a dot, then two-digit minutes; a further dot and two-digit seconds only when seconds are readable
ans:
6.10
